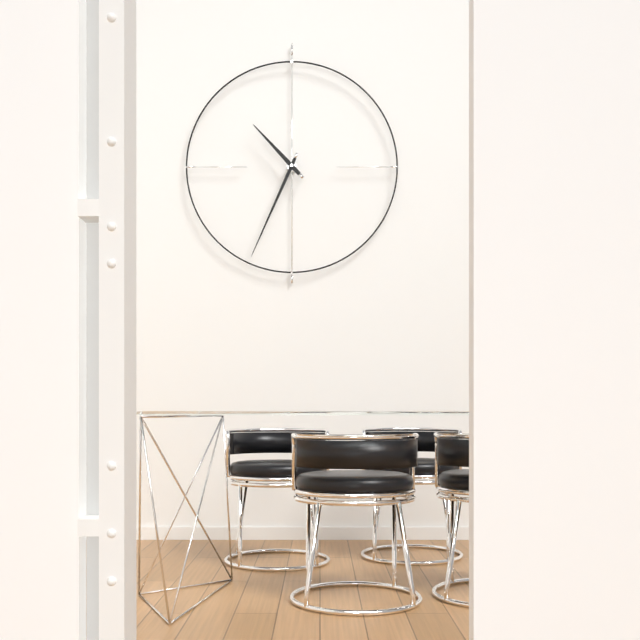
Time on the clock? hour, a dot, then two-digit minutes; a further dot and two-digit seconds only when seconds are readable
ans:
10.34
